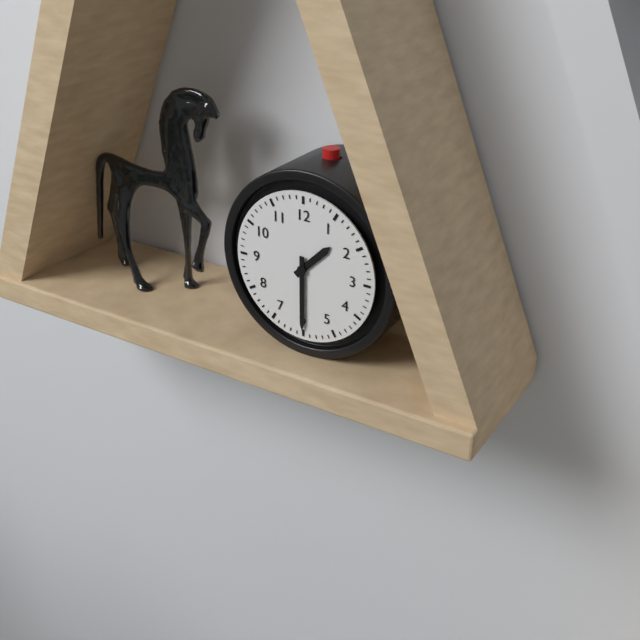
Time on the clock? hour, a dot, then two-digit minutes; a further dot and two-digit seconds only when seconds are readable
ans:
1.30
